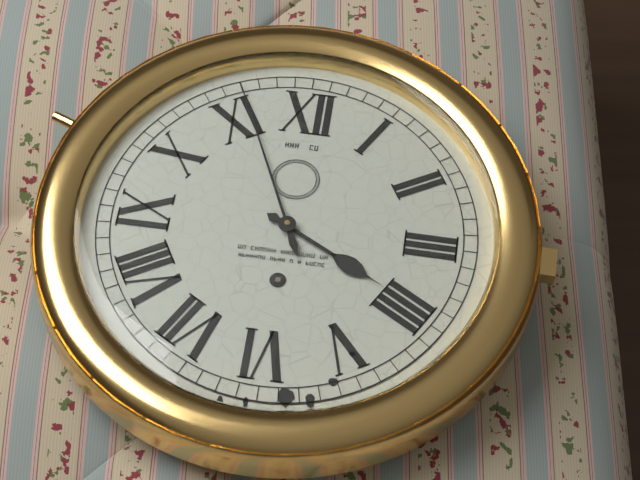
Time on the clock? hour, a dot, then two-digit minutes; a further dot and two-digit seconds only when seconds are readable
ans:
3.56
